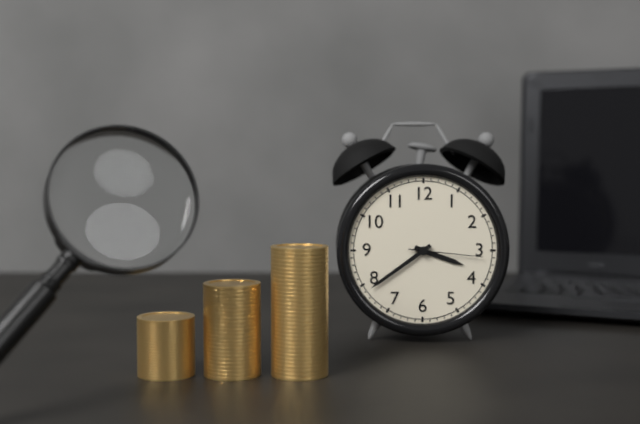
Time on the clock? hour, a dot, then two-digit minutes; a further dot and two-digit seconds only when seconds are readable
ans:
3.39.16
